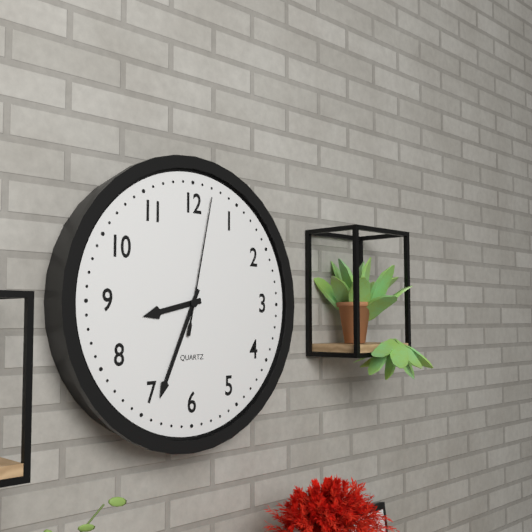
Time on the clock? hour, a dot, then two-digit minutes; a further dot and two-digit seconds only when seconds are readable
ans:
8.34.02
